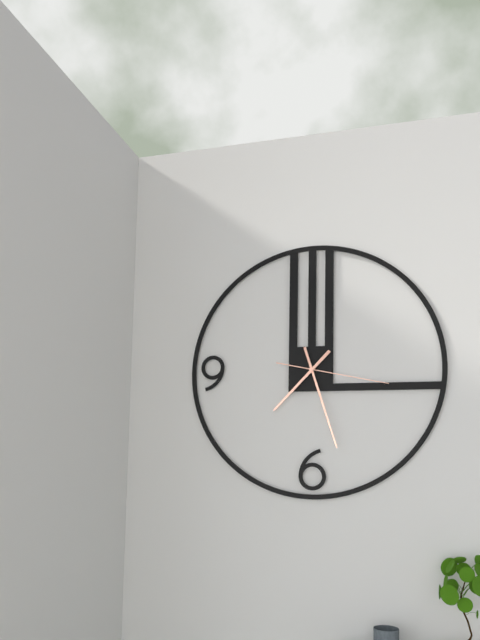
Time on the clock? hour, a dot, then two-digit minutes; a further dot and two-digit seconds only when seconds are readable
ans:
7.27.17
